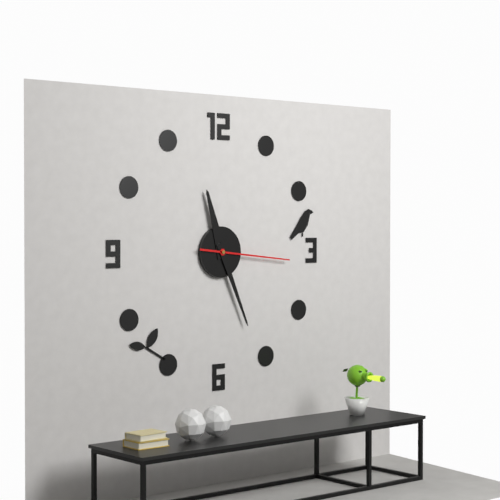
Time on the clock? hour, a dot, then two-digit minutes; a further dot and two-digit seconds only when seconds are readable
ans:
11.26.16
